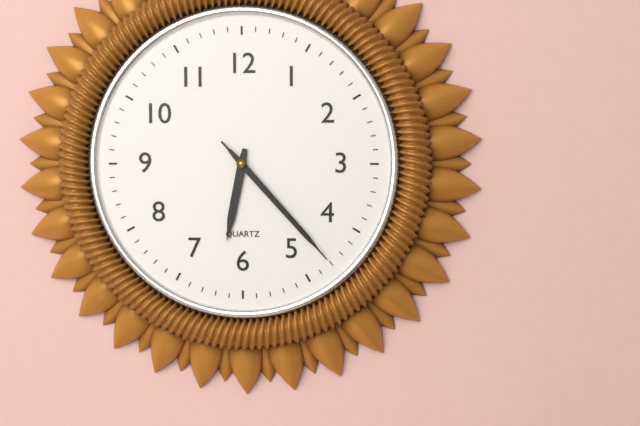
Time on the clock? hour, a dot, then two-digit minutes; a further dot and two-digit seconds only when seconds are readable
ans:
6.23.23
